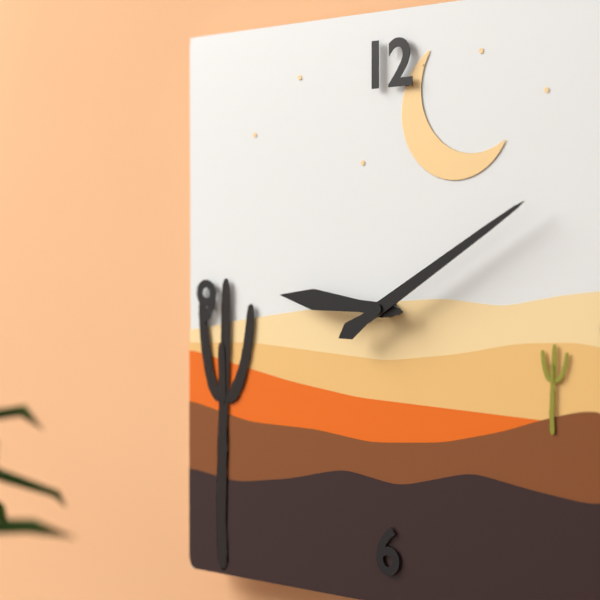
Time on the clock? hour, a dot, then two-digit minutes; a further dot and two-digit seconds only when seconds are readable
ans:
9.10
